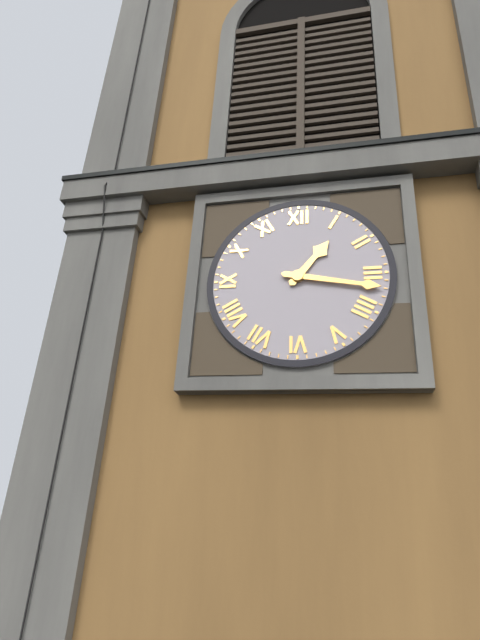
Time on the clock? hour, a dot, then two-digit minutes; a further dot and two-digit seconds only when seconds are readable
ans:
1.17
